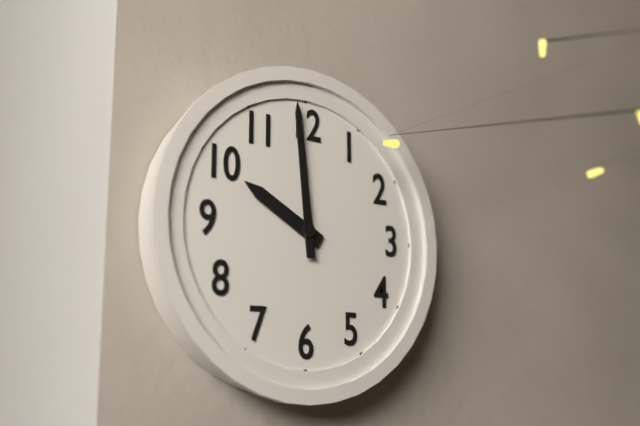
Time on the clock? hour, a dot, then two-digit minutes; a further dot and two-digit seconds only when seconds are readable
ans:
9.59
